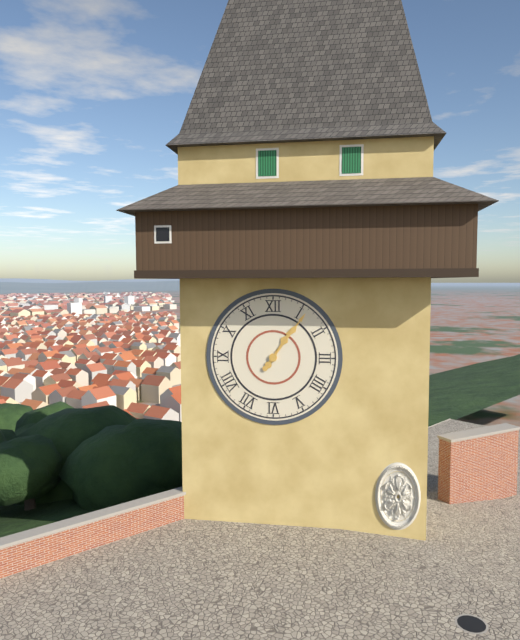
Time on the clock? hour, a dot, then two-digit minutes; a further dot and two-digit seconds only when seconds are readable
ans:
1.06
